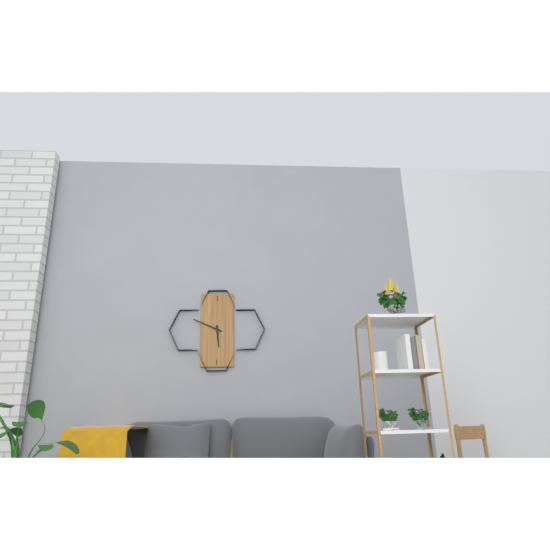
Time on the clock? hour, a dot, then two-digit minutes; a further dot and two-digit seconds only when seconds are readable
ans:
5.49
